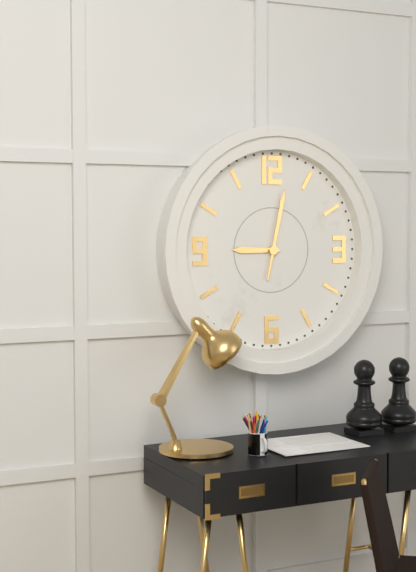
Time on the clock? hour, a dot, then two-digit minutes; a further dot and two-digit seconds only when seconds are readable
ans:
9.02
